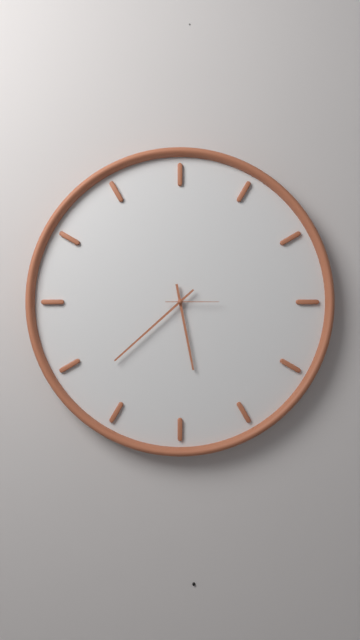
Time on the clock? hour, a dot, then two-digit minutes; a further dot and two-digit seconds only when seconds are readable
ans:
5.38
